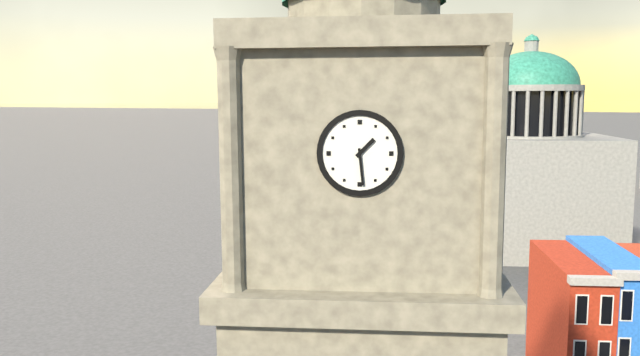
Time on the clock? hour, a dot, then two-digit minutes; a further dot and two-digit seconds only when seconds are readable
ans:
1.29
